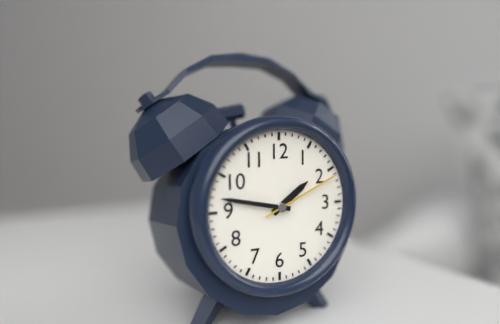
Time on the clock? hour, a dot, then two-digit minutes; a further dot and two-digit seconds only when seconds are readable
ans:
1.47.11
